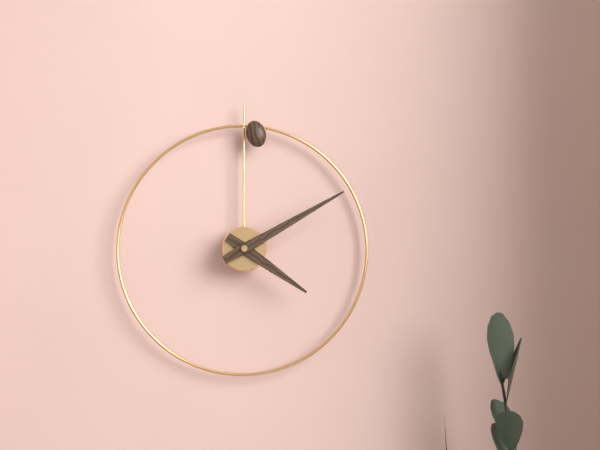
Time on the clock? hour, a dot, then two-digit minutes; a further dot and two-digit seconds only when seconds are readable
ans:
4.10
